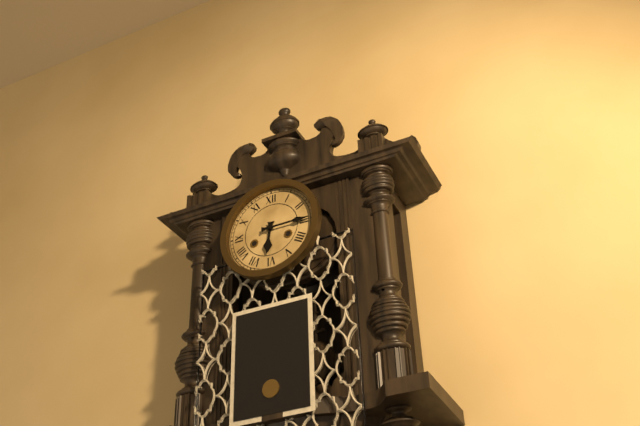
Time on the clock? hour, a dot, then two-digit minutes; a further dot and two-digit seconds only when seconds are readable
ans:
6.15
